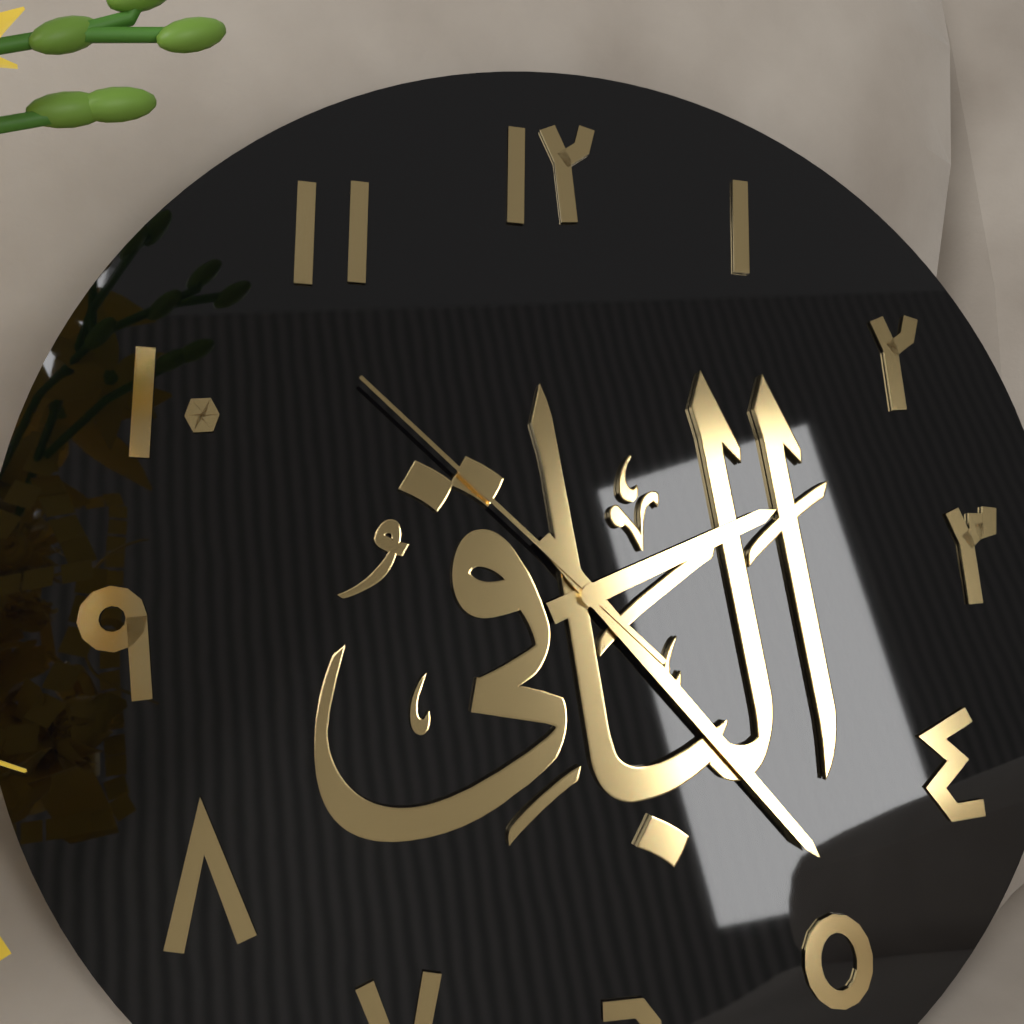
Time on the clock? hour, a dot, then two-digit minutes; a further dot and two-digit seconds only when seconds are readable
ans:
2.24.53
